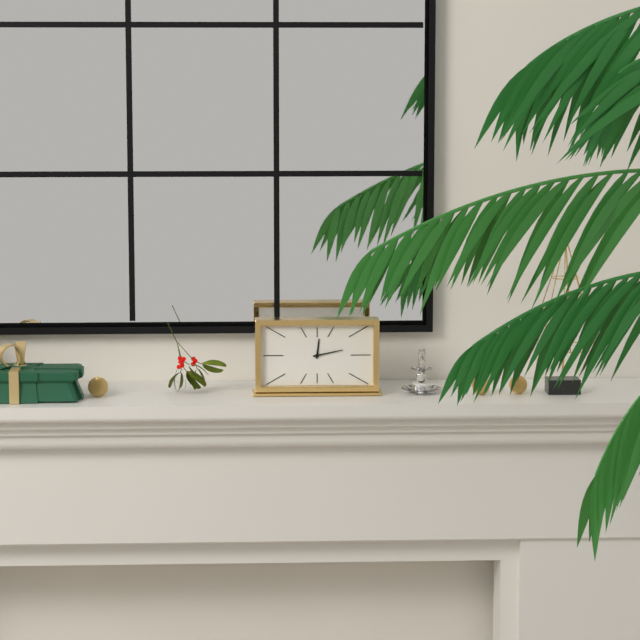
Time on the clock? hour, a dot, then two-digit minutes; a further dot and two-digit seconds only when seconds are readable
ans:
12.13
